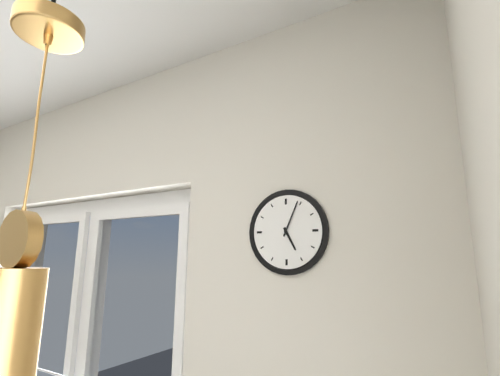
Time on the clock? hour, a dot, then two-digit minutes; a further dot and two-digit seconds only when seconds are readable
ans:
5.04
